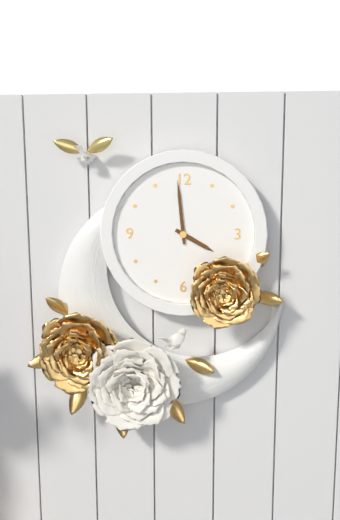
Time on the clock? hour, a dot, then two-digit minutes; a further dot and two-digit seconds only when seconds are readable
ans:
3.59
